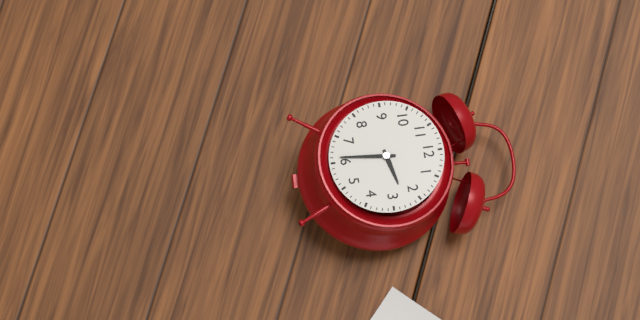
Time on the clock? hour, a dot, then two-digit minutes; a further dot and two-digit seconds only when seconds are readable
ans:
2.31
